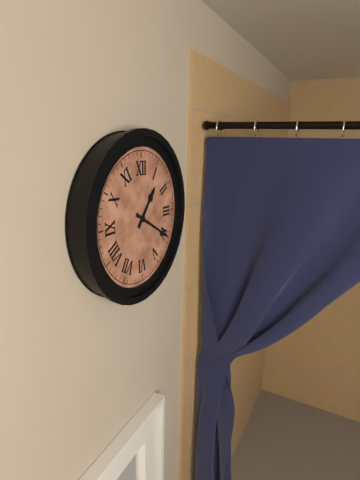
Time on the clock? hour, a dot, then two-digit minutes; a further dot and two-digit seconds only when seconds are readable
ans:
1.20
